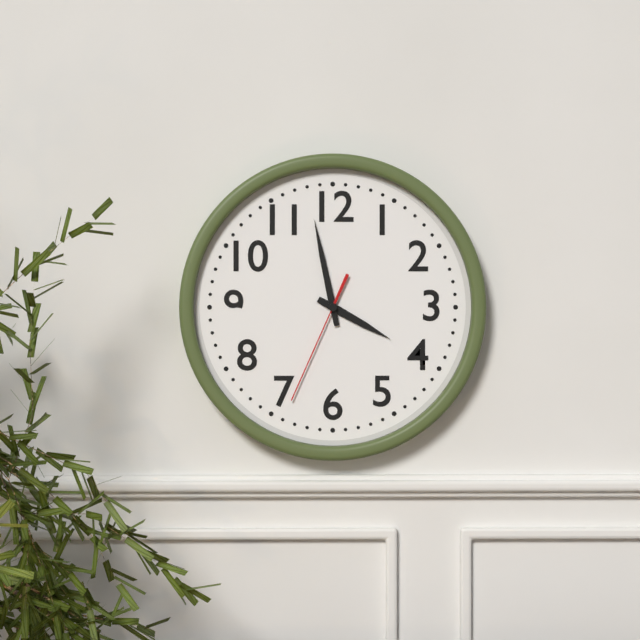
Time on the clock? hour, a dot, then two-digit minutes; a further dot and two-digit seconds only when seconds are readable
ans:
3.58.34
